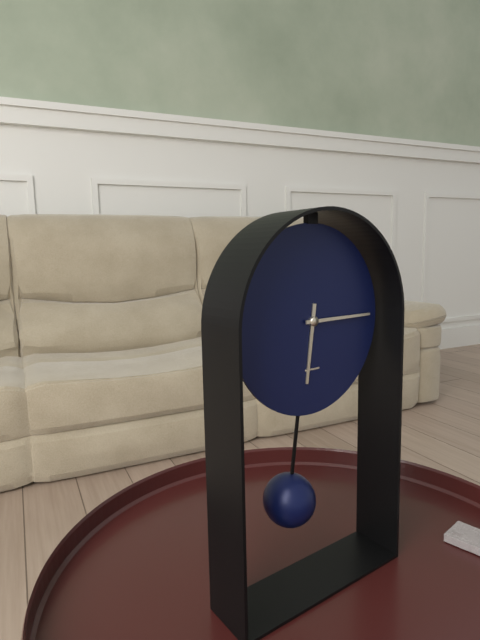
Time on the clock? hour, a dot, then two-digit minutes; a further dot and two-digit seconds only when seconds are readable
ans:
6.15
